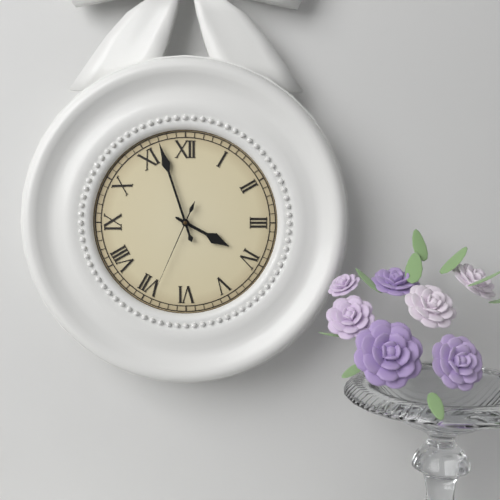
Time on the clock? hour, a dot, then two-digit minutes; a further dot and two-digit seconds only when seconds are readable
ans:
3.57.34
